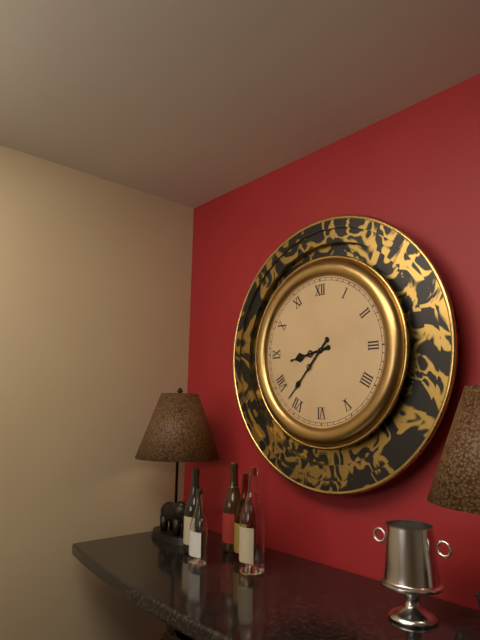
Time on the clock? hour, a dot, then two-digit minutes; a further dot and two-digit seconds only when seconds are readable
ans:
8.37
